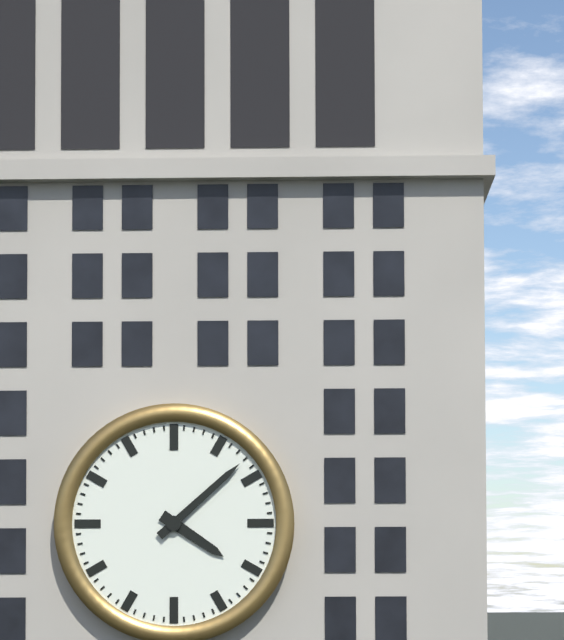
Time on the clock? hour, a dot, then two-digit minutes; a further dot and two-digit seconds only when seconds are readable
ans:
4.08
